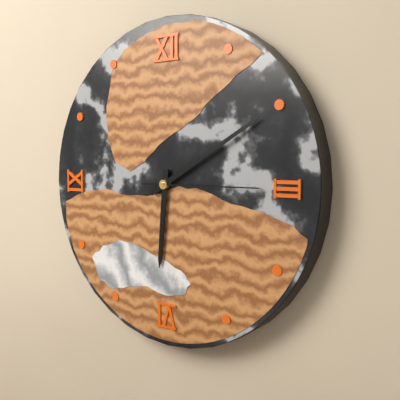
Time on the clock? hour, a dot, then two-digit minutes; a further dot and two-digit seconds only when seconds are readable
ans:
6.10.15
